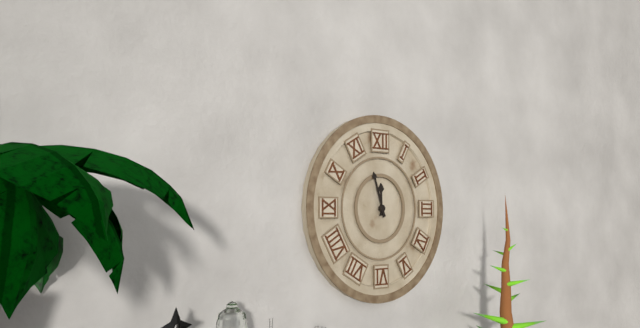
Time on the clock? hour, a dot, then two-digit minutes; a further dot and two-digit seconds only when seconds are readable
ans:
11.57
